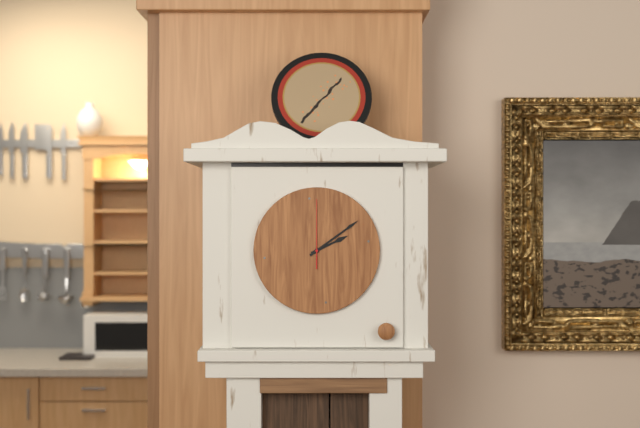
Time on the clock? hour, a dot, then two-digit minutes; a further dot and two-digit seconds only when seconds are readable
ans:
2.09.00
